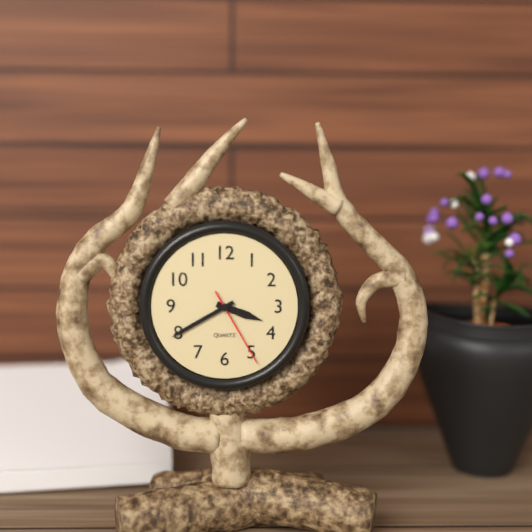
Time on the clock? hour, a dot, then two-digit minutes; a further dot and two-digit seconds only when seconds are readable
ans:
3.40.25
